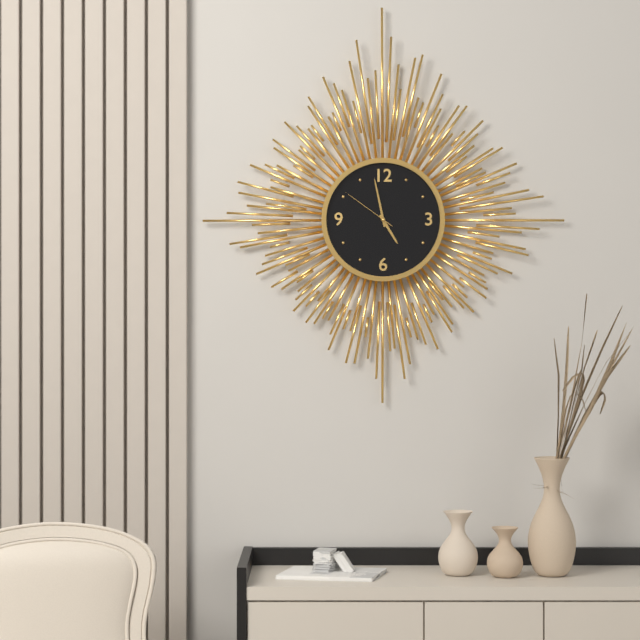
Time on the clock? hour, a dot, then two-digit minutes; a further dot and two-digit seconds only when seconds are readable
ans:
4.58.51
